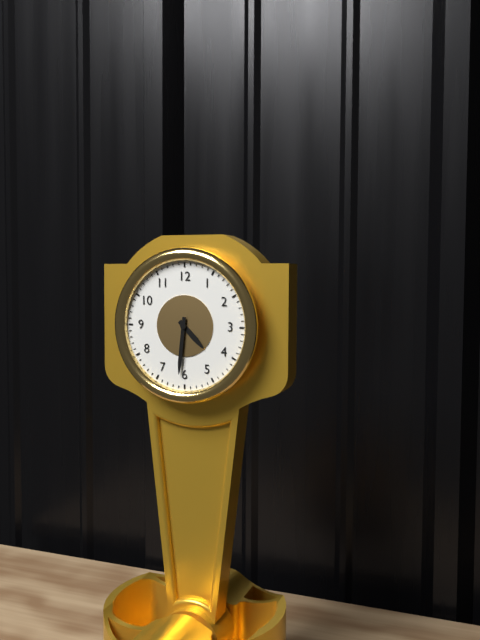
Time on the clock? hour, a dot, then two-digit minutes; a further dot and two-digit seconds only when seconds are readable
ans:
4.31
